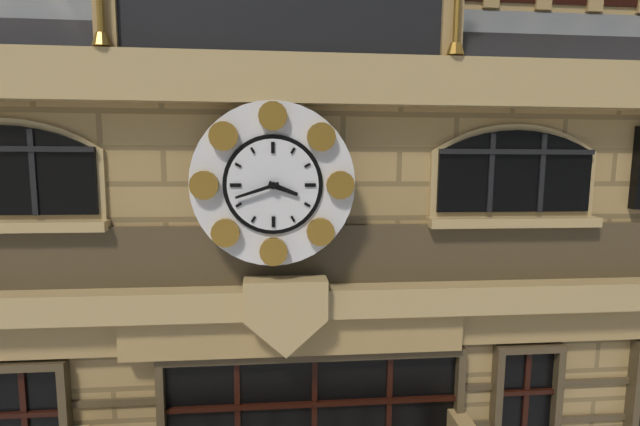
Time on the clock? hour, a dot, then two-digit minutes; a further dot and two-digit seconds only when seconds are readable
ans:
3.42
